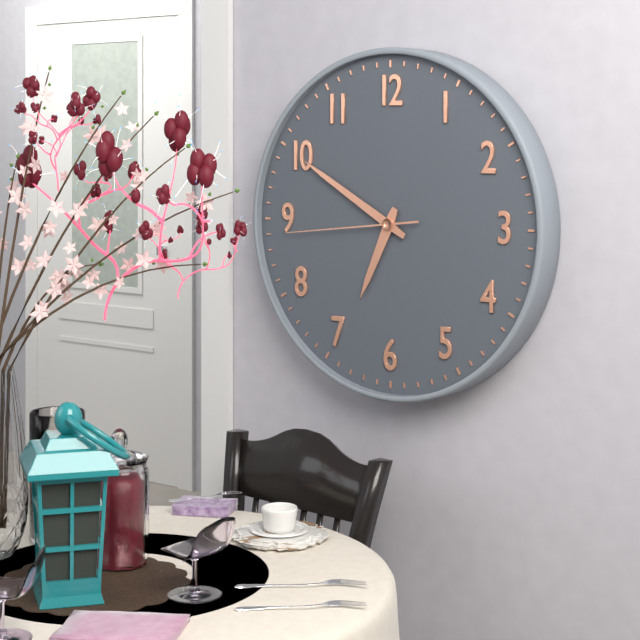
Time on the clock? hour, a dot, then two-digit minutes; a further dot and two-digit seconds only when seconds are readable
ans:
6.50.44
